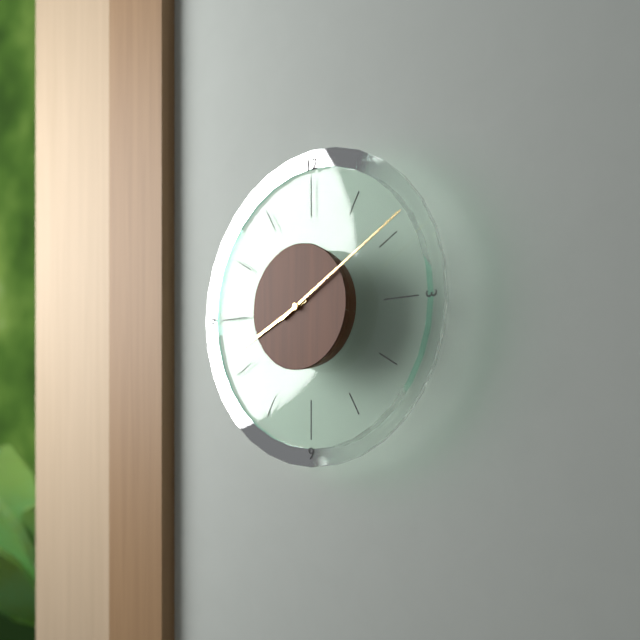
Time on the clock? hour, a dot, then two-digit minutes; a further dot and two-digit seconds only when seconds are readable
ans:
8.10
